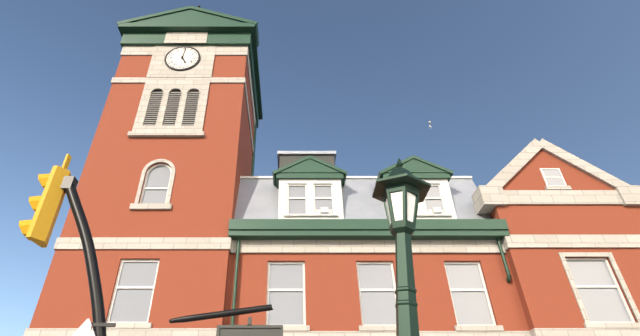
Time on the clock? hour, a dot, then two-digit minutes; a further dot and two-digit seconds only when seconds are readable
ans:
5.01
